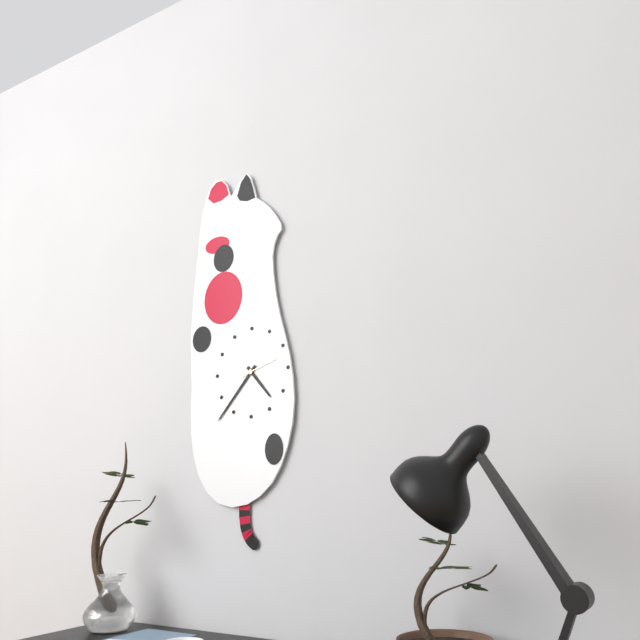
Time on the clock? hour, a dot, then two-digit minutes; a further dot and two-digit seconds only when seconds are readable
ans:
4.37
